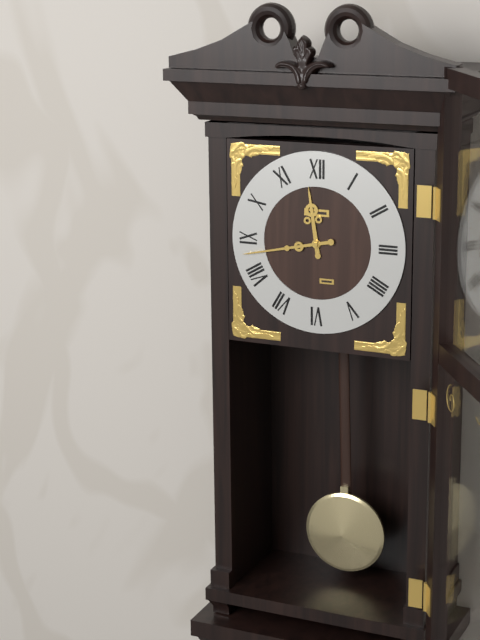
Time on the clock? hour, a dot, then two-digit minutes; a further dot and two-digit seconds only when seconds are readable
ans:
11.43
